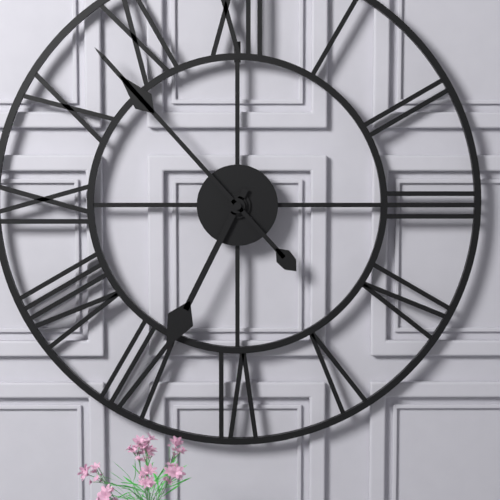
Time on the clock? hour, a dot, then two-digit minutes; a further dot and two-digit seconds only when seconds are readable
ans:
6.53
